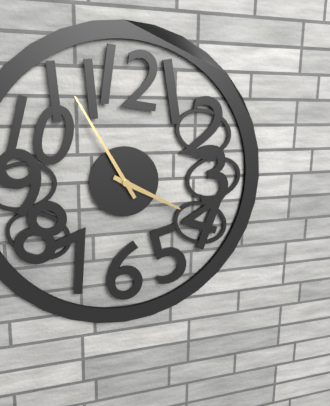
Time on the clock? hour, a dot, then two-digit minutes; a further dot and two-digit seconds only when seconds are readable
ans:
3.55
